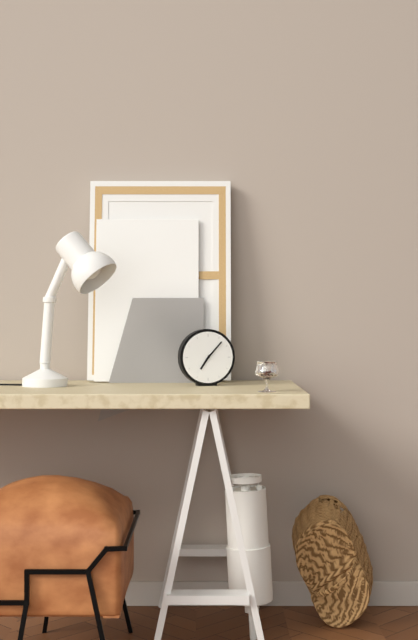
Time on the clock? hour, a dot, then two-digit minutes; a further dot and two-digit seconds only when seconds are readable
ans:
7.07
